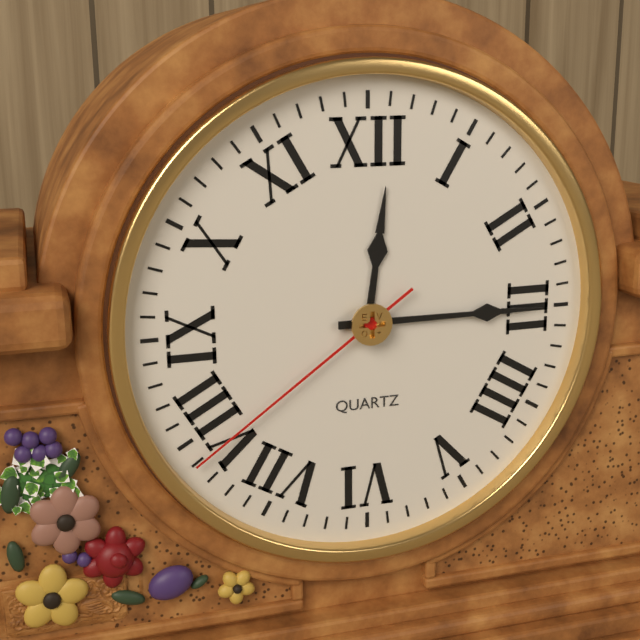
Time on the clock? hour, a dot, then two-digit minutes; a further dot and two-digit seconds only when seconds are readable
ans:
12.15.39
